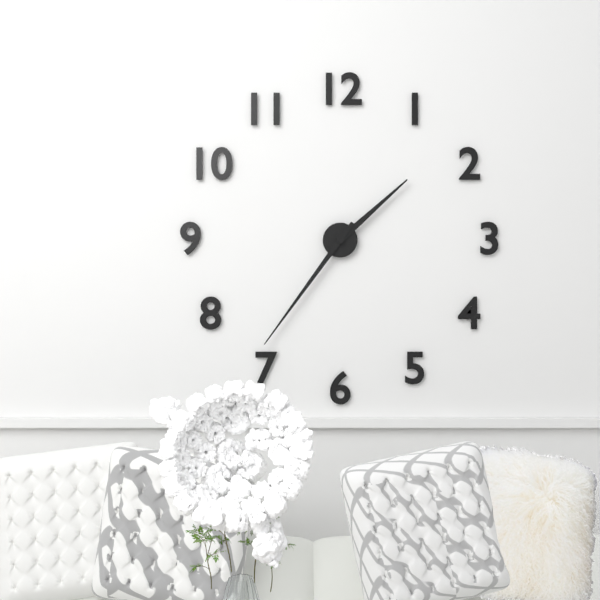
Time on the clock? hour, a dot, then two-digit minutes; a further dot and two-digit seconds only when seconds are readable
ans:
1.36
